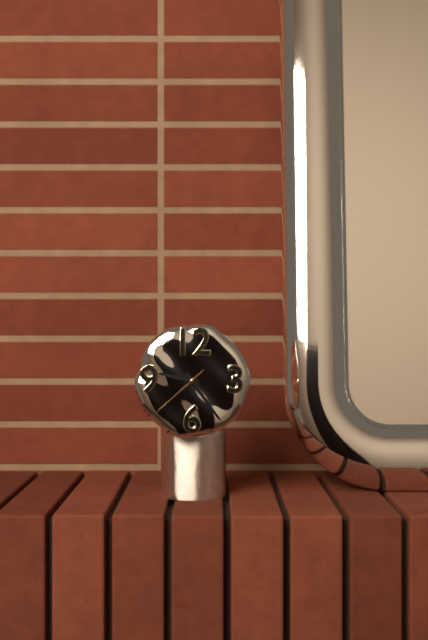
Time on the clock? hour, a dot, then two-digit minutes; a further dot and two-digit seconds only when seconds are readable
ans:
9.24.38
